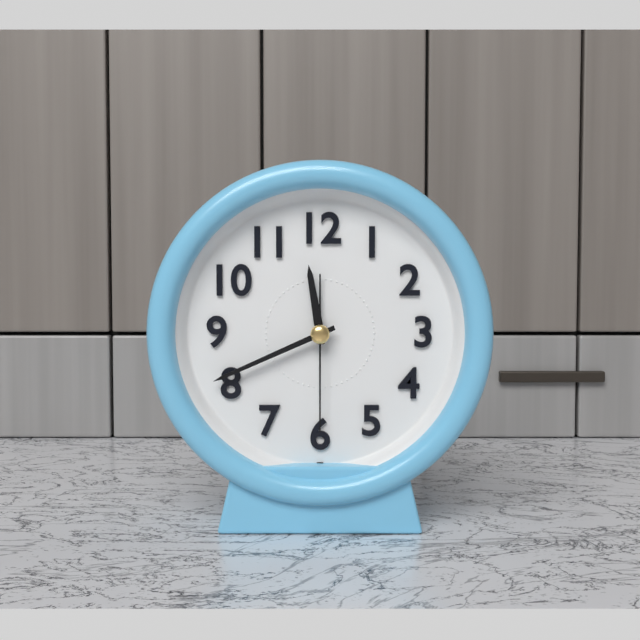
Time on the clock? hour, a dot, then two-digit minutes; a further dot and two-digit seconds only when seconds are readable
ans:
11.41.30
